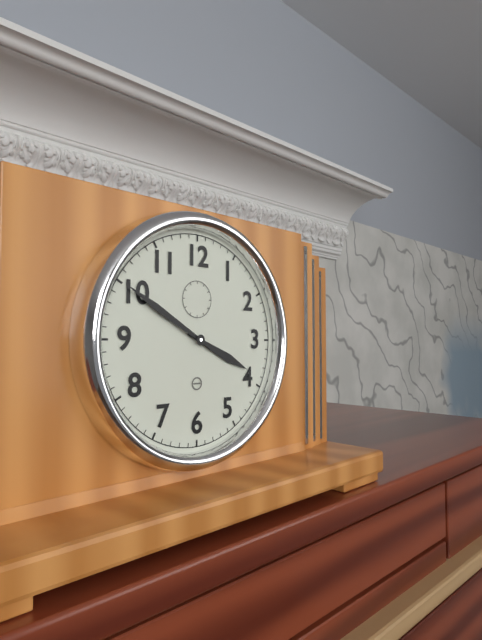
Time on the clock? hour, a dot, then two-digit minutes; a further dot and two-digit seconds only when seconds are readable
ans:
3.50
